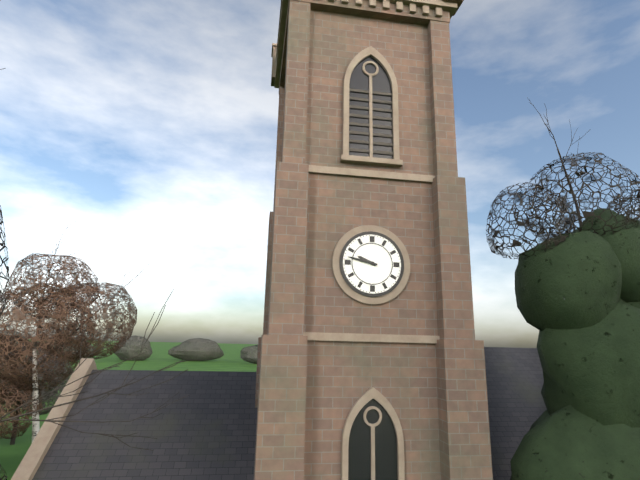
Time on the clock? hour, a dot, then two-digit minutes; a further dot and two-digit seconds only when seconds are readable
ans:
9.47
